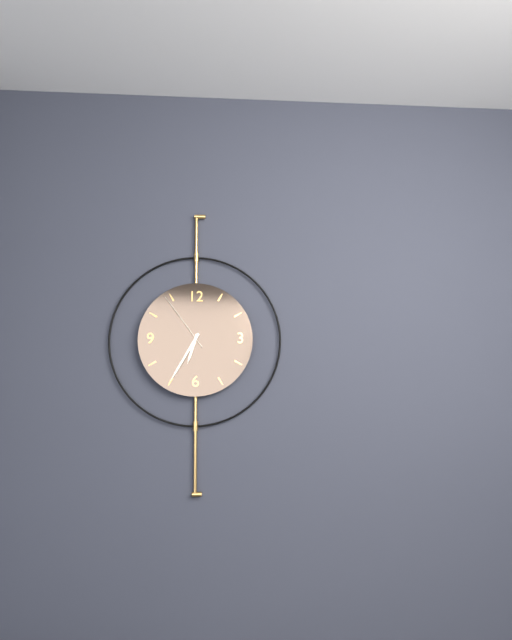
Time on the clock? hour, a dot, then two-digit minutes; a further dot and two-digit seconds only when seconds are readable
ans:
6.35.54
